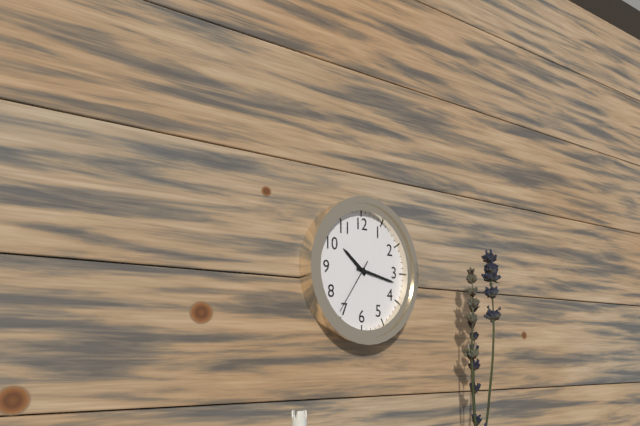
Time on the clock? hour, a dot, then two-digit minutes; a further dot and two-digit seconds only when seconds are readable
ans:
10.17.36
